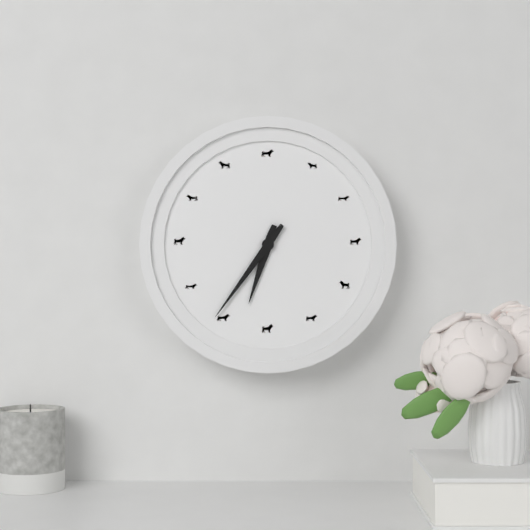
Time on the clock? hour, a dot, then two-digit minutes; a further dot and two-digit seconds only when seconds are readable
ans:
6.36
